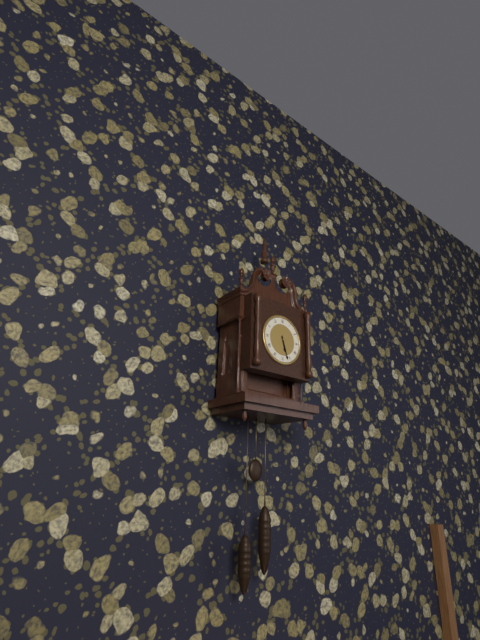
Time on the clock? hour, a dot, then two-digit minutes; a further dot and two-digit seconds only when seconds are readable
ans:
5.27
